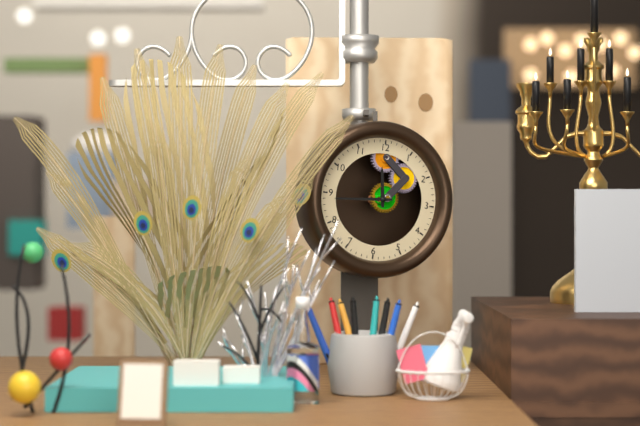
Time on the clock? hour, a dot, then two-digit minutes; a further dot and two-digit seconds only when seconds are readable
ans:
11.44
